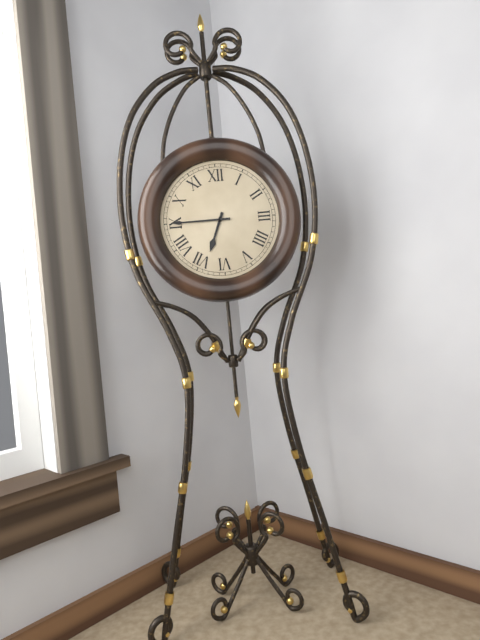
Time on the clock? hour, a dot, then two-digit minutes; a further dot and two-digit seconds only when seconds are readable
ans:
6.45
